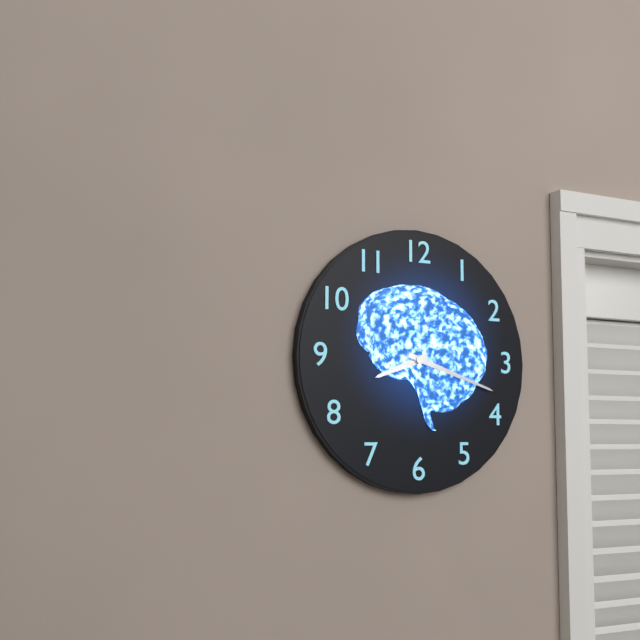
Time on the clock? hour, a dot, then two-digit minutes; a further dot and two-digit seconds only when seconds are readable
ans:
8.18
